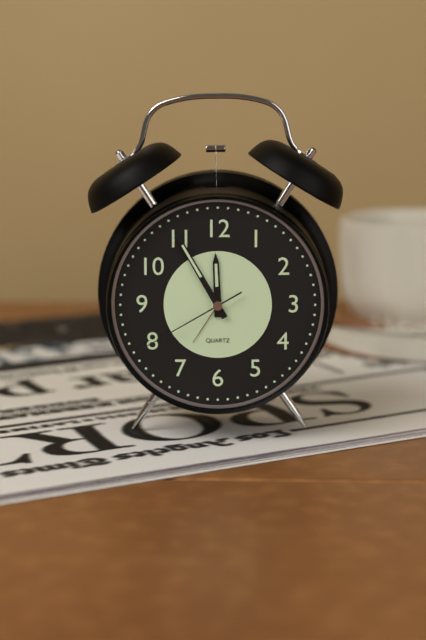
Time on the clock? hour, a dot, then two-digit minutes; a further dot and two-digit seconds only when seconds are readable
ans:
11.55.40
